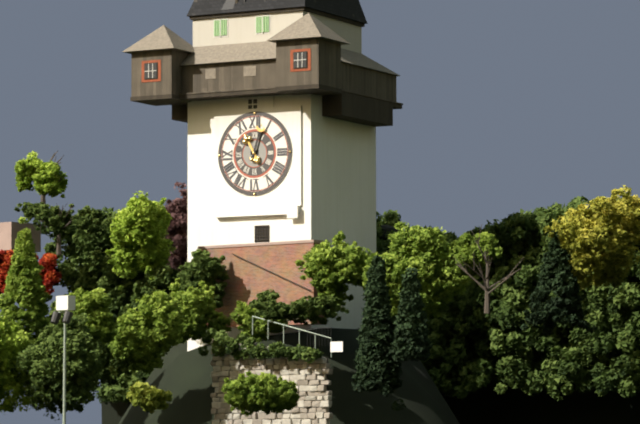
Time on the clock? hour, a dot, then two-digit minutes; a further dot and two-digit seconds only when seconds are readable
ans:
11.03
